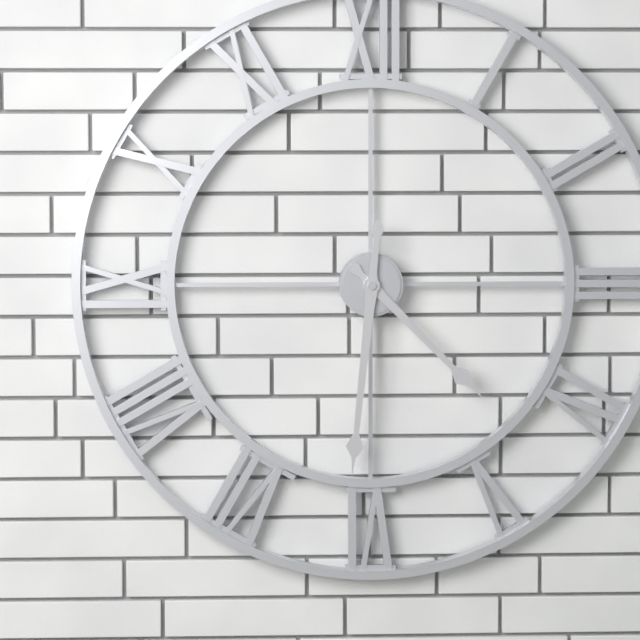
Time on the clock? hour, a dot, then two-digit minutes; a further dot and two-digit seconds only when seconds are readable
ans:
4.31
